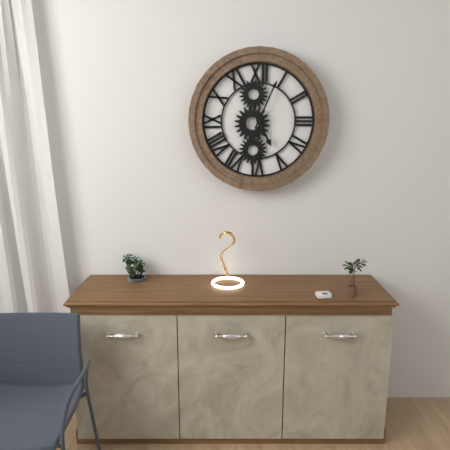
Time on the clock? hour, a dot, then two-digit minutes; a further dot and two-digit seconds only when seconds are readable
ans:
5.04
